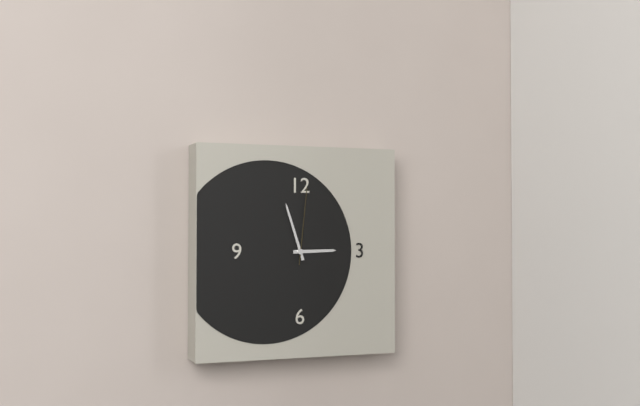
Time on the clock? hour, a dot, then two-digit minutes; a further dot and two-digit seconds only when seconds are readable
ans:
2.57.01
